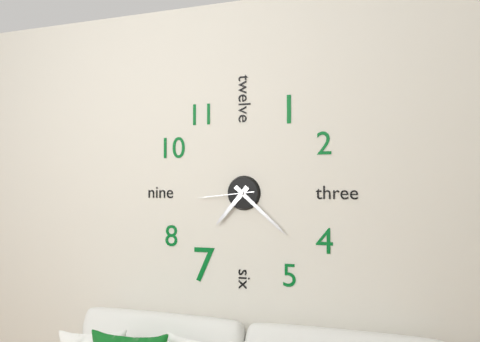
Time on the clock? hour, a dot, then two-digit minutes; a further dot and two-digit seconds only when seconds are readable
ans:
7.22.44
